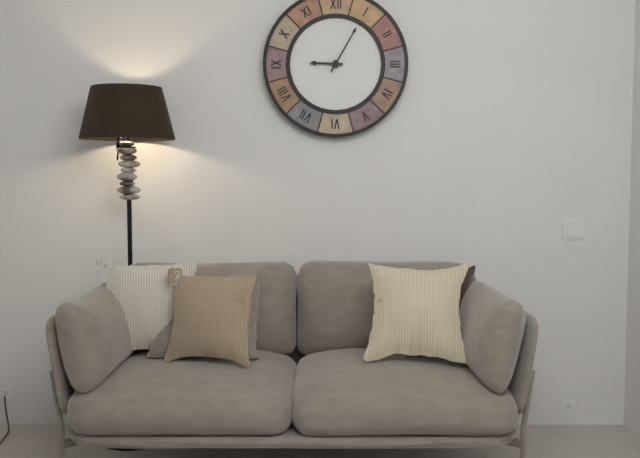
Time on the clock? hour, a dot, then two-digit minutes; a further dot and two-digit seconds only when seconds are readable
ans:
9.05
